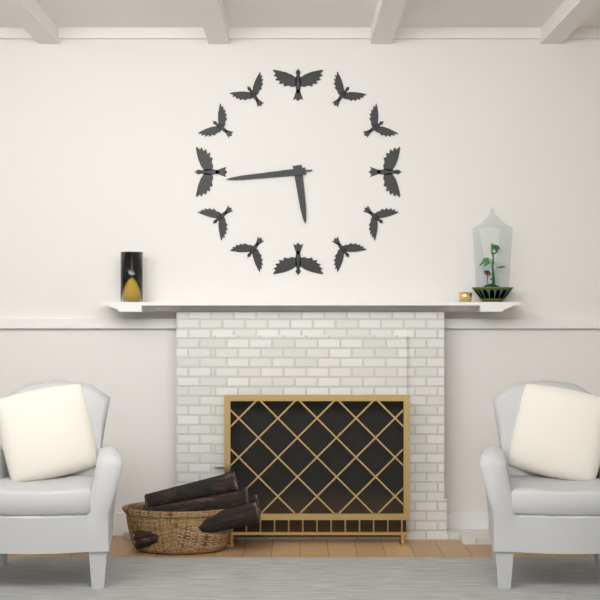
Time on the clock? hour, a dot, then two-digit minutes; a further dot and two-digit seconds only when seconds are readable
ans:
5.44.44
